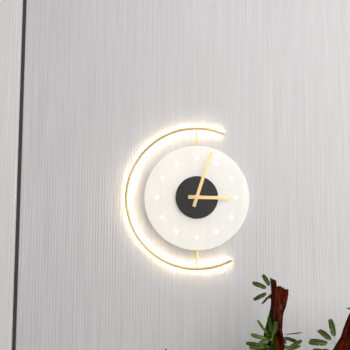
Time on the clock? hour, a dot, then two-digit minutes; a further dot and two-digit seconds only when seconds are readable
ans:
3.03
